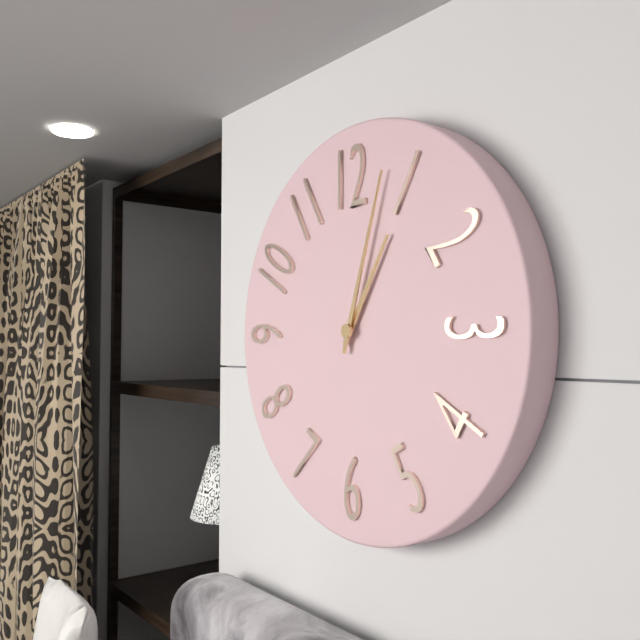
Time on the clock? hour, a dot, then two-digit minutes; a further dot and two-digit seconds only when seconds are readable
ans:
1.03
